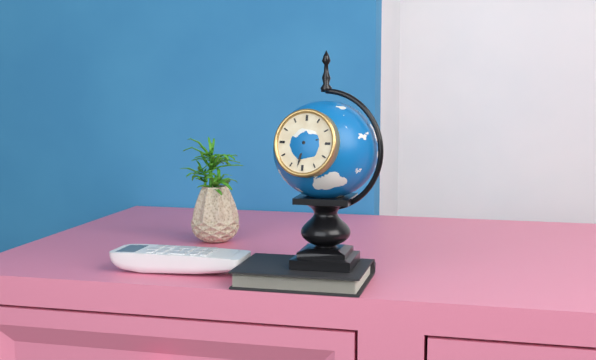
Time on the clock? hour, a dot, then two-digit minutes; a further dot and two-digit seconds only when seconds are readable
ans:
2.32
